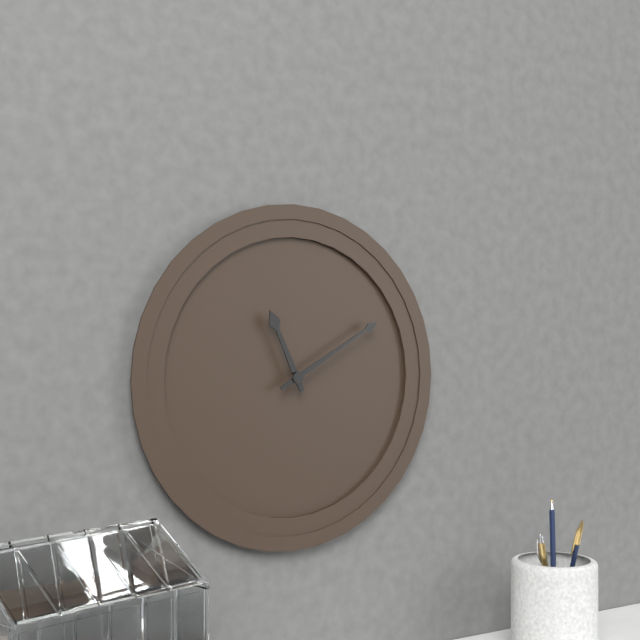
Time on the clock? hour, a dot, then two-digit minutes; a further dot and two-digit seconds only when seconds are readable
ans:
11.10
